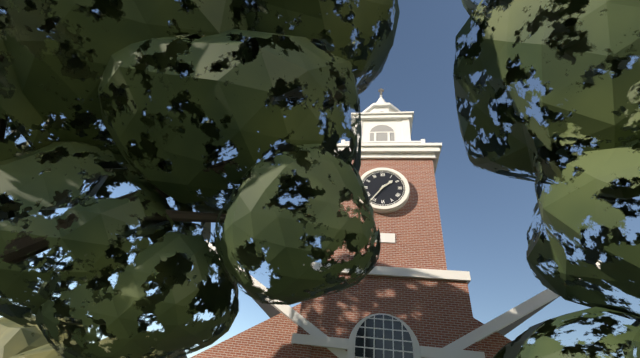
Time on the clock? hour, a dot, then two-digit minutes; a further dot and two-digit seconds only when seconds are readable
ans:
1.36
